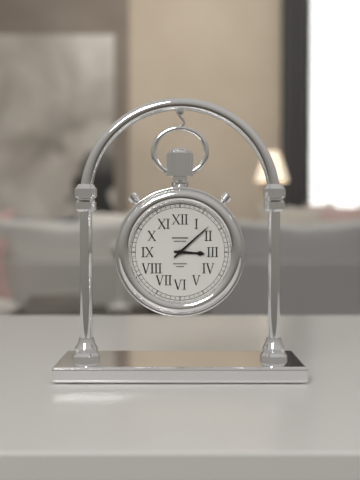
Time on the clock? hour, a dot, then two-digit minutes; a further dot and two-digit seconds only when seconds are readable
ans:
3.08
